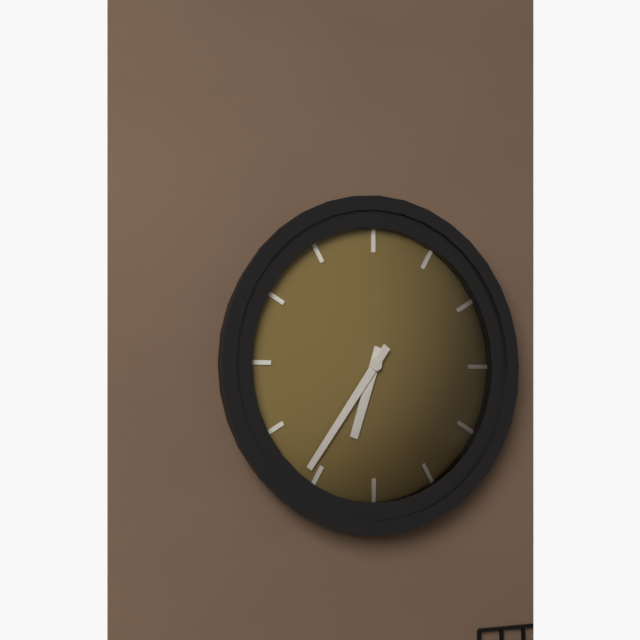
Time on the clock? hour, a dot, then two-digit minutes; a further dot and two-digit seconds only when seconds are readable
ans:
6.36
